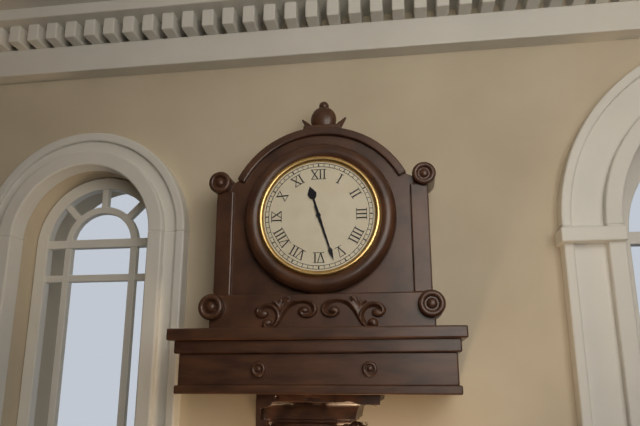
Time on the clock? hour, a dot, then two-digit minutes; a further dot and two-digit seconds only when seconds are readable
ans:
11.27
